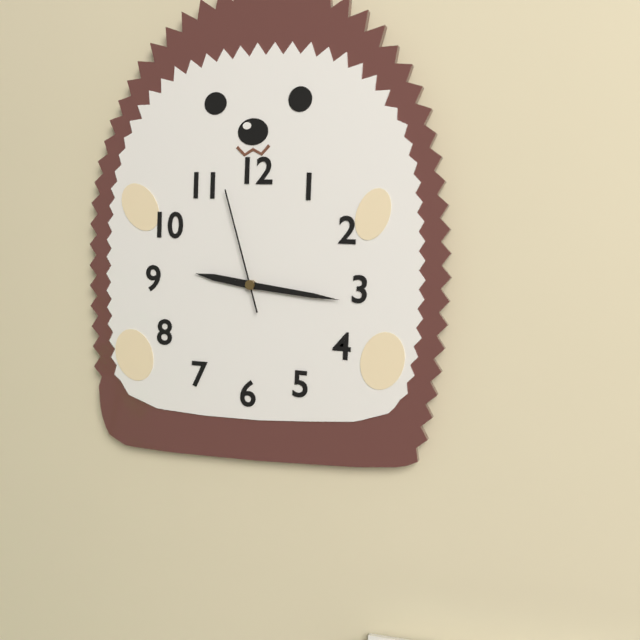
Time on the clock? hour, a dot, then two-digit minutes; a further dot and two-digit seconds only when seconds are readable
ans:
9.16.57
